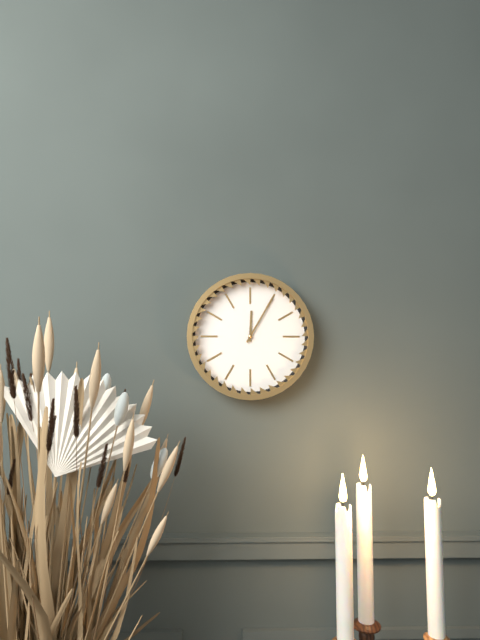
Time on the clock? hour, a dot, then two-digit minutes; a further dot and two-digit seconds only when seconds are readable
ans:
12.05
